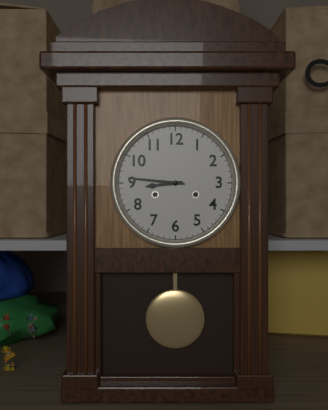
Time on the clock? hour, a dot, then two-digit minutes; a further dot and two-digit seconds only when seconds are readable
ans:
8.46
